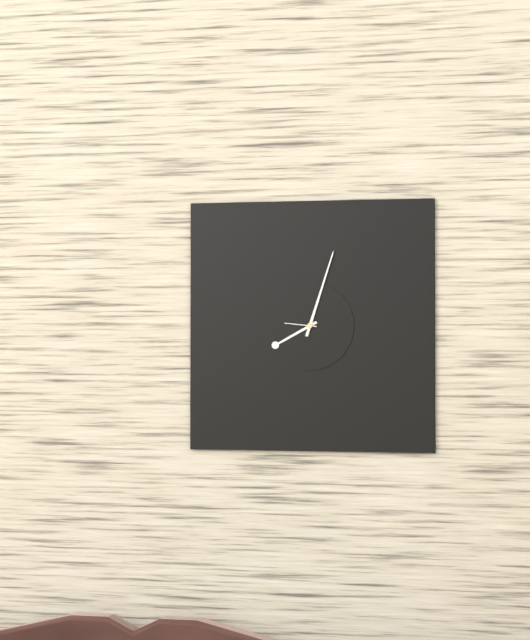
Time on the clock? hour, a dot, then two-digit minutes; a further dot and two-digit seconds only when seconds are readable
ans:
8.03
